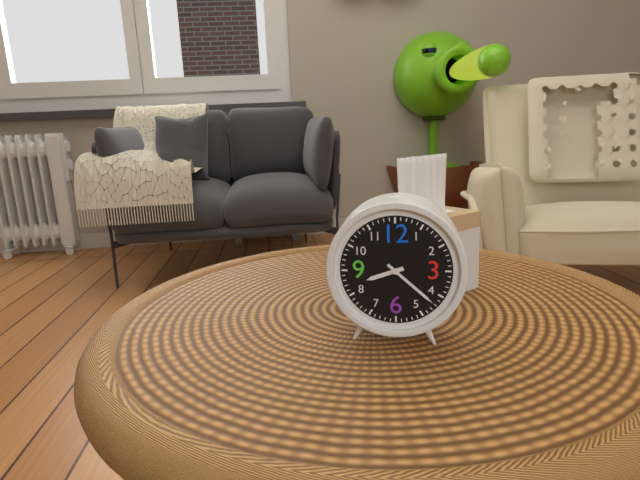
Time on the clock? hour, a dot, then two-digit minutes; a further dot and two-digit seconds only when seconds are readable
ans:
8.22
